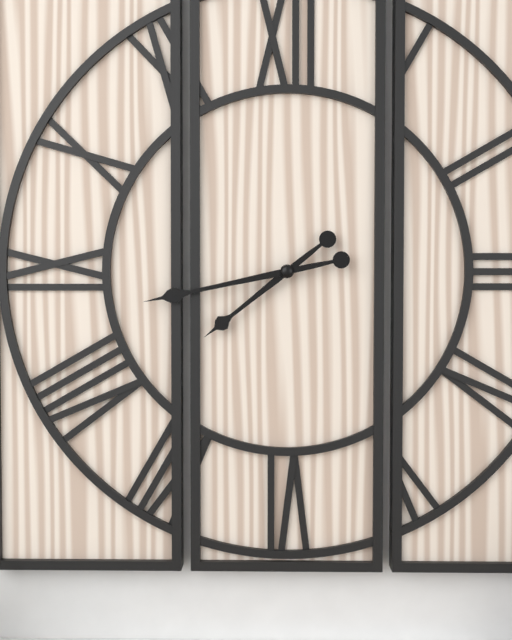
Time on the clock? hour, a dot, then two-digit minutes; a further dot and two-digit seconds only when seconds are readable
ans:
7.43
